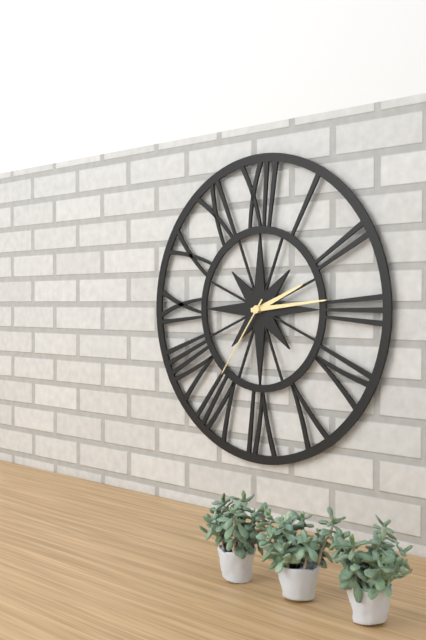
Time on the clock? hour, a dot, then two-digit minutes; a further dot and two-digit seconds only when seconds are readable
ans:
2.14.36
